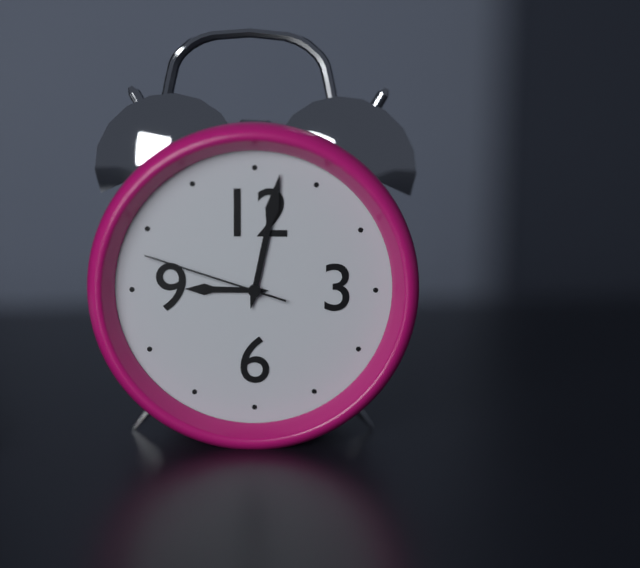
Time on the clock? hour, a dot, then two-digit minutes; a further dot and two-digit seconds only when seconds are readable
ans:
9.02.48
